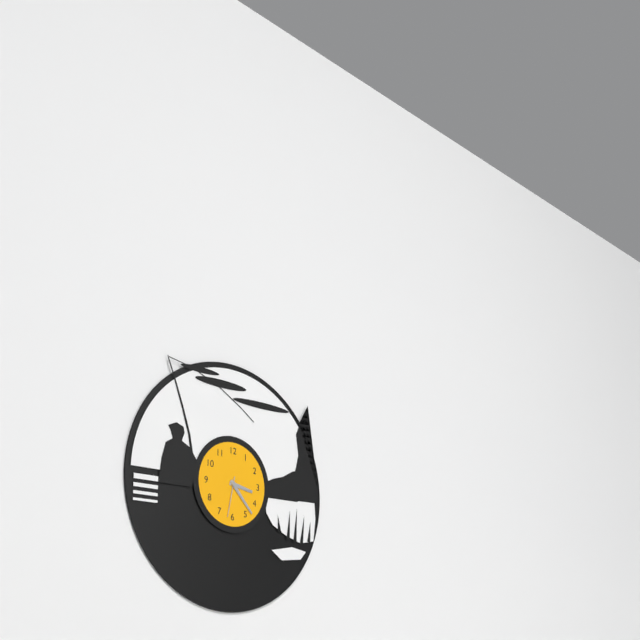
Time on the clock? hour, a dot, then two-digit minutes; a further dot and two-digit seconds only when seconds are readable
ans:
3.23
